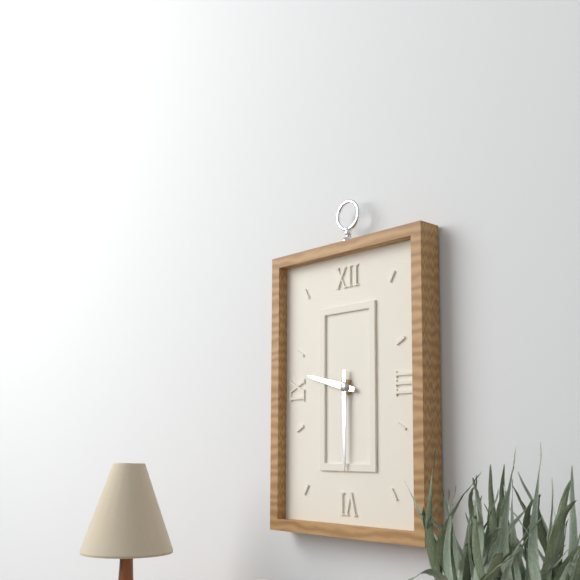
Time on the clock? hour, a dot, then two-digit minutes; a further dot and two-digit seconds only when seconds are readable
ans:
9.30
